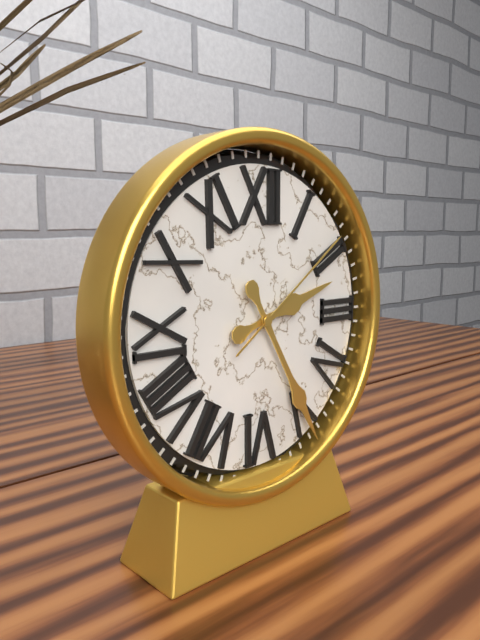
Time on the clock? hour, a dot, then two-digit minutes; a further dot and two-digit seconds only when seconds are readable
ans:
2.25.09
